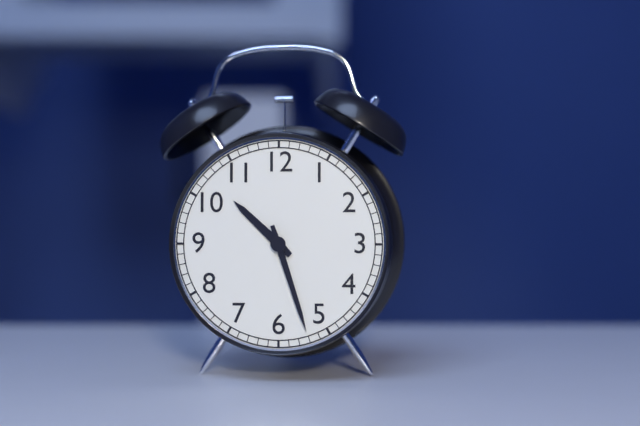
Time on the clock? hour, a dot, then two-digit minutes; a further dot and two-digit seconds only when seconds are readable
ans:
10.27
